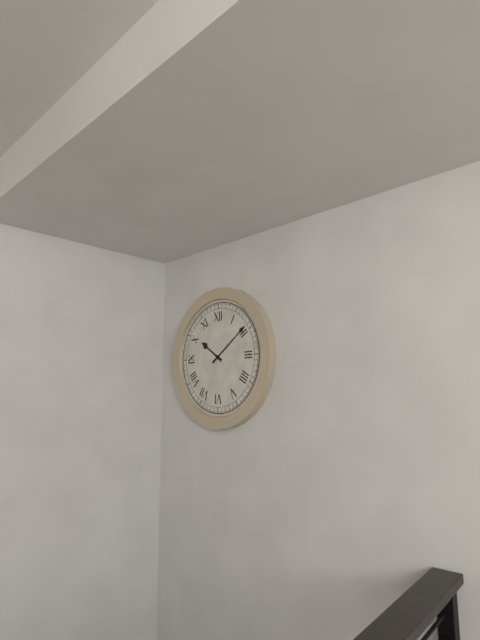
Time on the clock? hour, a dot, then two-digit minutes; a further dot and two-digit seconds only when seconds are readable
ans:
10.09
